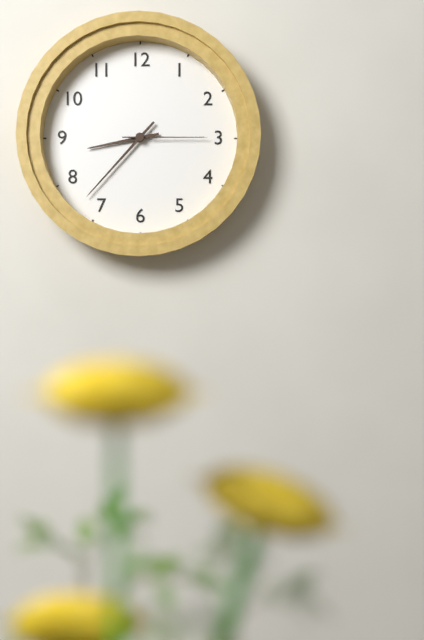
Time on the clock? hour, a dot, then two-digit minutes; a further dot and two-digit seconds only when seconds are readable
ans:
8.37.15
